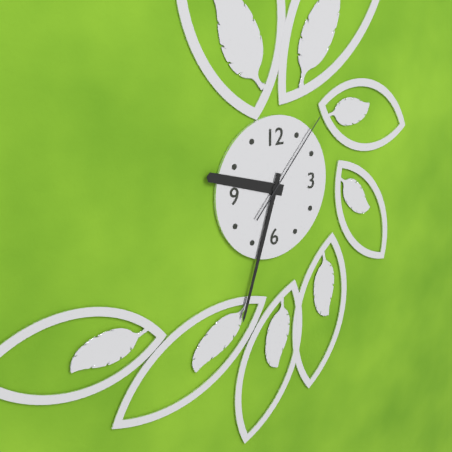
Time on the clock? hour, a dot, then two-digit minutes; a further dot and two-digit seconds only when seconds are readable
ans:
9.33.07
